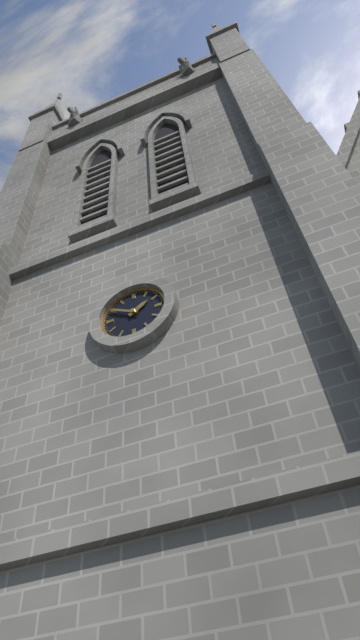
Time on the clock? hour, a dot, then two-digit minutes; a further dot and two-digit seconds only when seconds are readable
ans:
1.50
